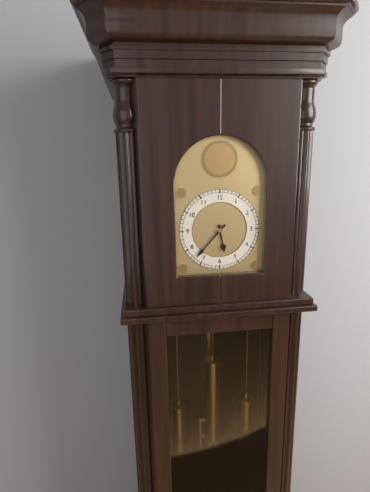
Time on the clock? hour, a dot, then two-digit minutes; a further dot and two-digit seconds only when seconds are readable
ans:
5.37
